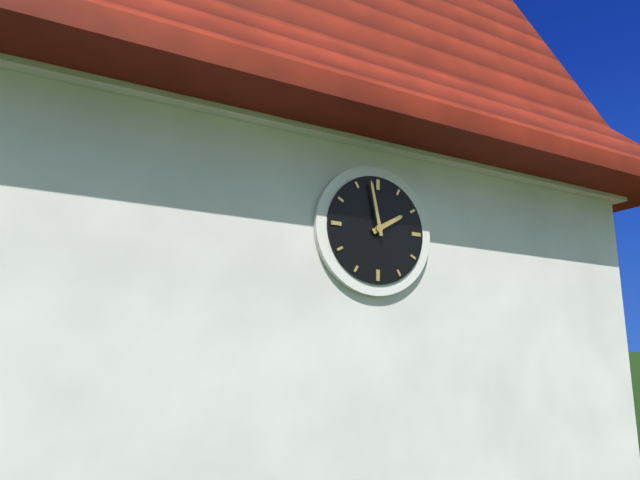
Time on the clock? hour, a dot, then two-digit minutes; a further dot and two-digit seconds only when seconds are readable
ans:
1.58
